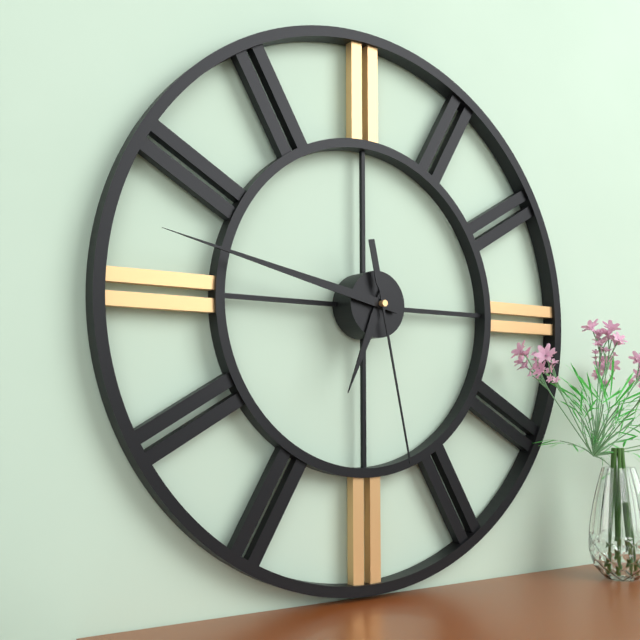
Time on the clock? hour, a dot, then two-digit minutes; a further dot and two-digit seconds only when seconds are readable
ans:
6.47.28
